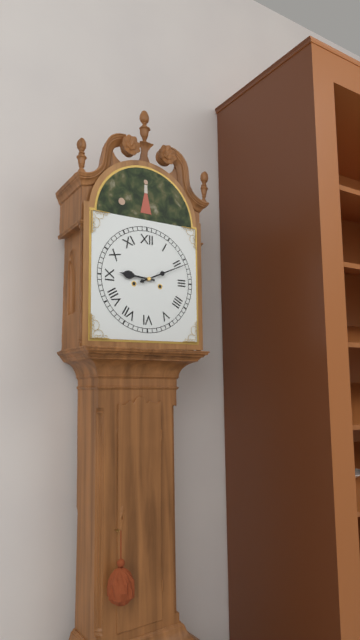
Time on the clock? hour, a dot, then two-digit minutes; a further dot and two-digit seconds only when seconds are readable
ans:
9.11
